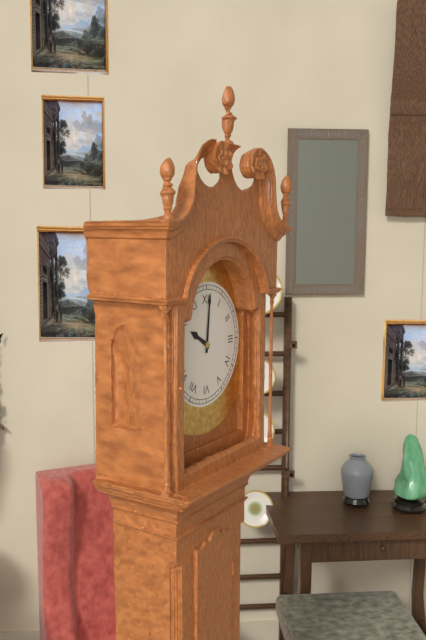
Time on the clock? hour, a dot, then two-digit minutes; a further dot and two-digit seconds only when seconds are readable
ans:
10.01
